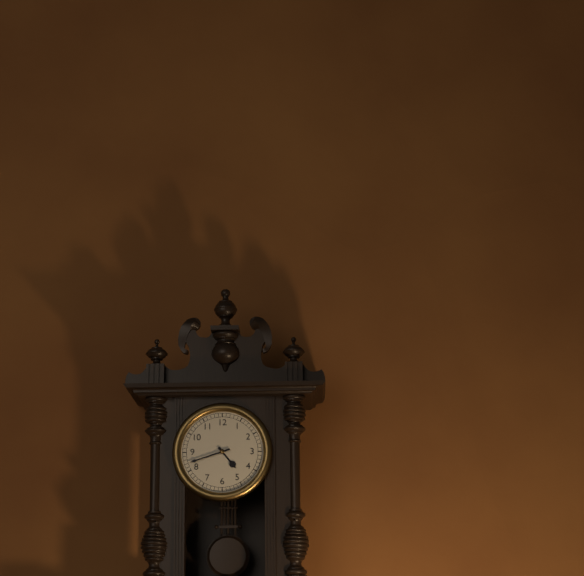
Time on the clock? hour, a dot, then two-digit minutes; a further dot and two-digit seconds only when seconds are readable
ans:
4.42
